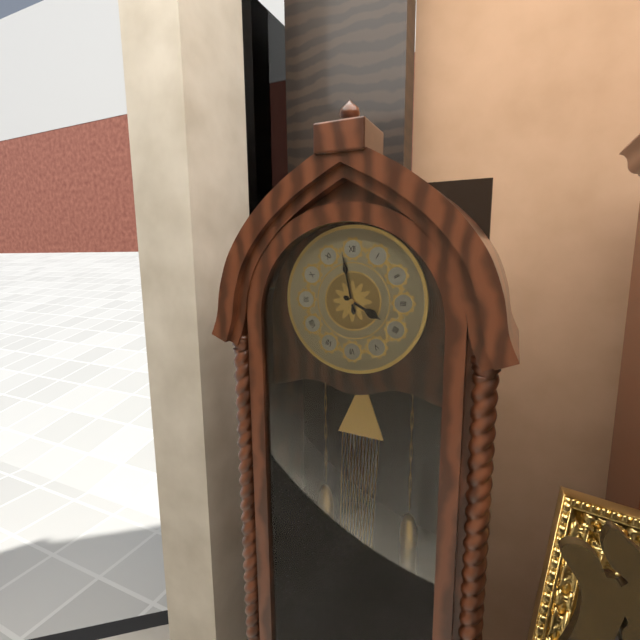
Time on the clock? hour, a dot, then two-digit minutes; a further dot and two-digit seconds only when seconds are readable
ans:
3.58
